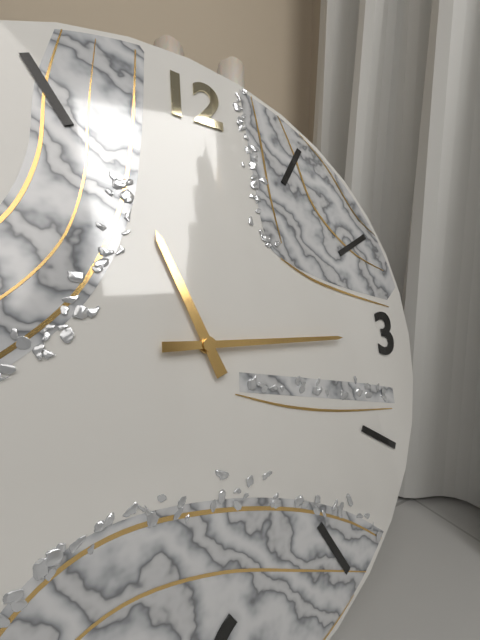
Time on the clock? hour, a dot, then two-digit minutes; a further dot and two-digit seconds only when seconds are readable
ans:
11.15
